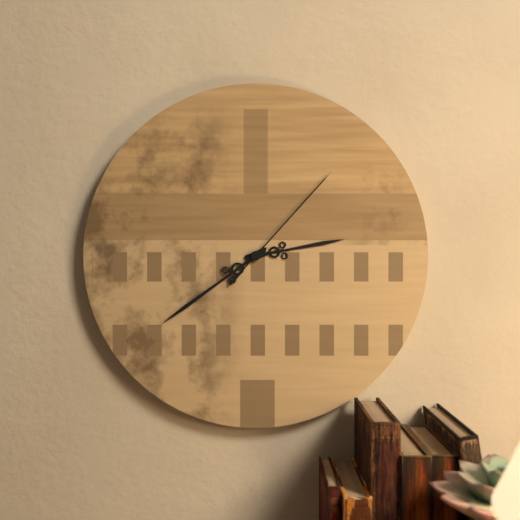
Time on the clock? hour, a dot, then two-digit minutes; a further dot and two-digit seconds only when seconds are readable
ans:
2.39.07
